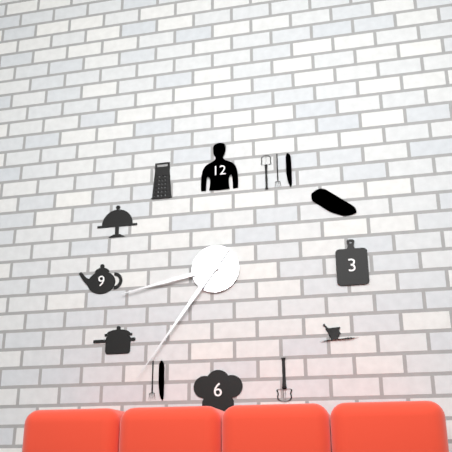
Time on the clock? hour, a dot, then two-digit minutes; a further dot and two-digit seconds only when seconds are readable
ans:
8.36
